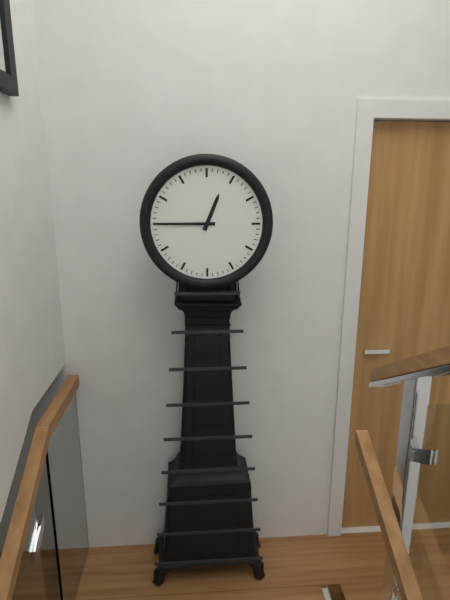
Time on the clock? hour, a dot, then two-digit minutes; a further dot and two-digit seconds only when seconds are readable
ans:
12.45
